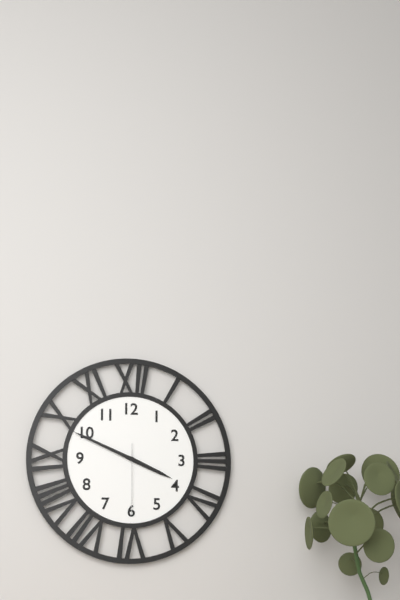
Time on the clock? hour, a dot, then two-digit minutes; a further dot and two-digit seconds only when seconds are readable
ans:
3.49.30
